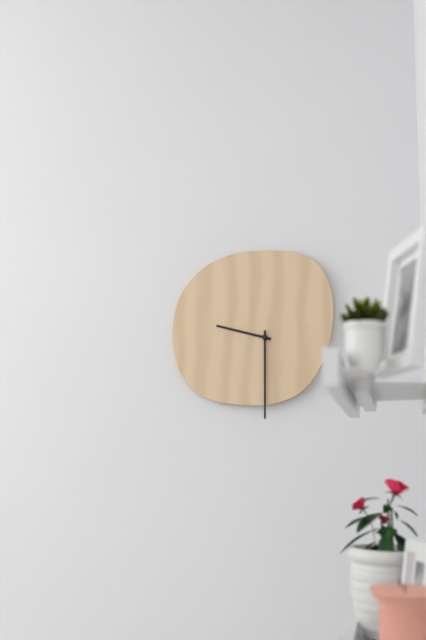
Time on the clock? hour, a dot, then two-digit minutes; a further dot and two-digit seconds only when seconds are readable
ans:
9.30
